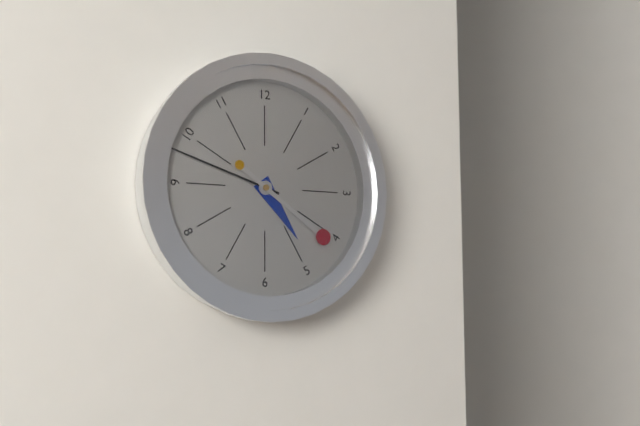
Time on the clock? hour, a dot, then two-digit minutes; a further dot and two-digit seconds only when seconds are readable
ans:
4.48.21
